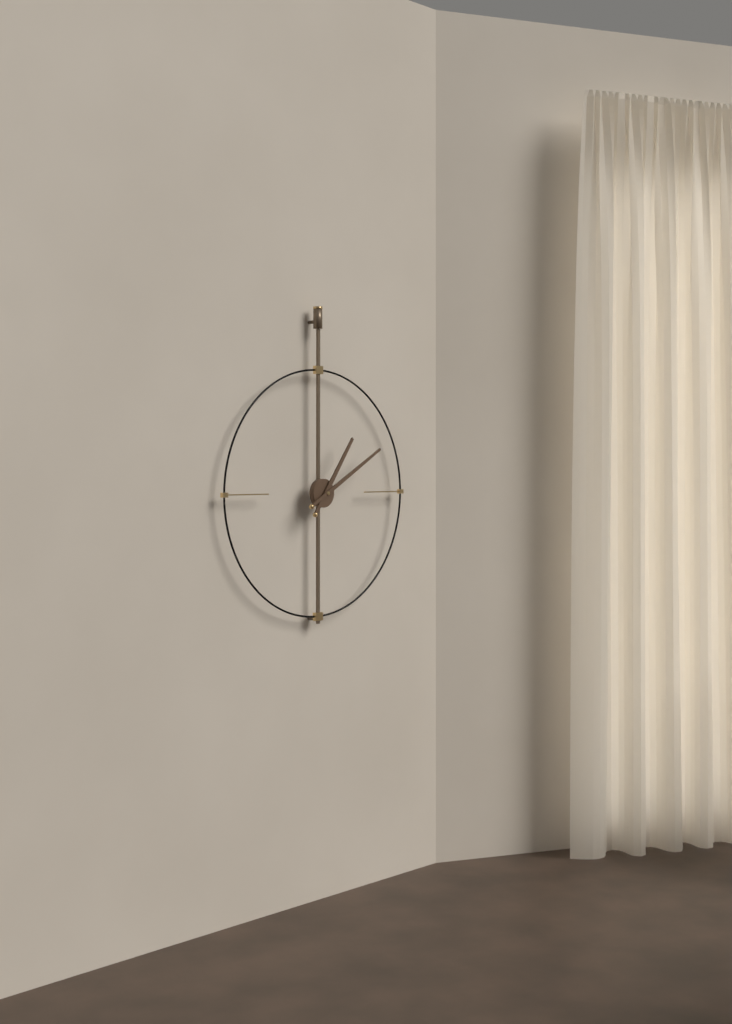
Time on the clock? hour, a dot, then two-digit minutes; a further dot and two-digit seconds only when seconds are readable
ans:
1.10
